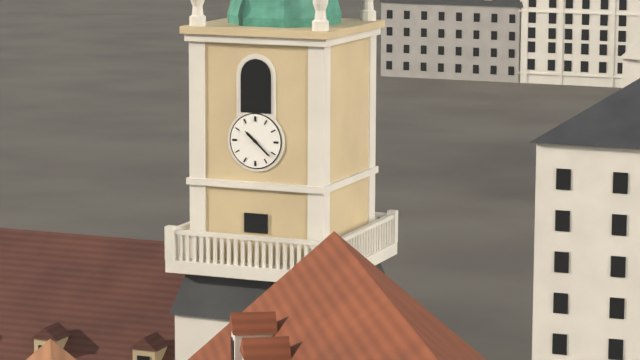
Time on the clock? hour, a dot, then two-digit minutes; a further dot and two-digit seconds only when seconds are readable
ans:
10.22
